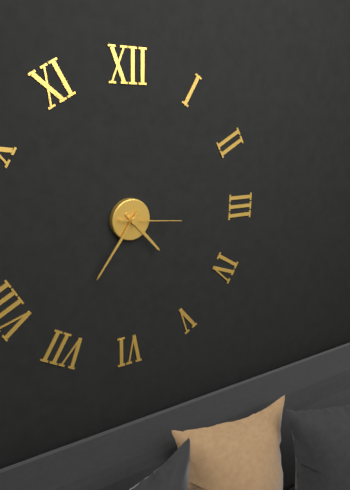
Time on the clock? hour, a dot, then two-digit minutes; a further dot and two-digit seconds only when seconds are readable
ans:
4.36.16
